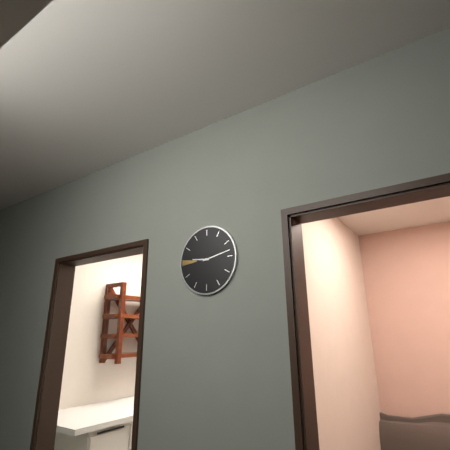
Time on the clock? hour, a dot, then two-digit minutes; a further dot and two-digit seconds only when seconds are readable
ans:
9.13
